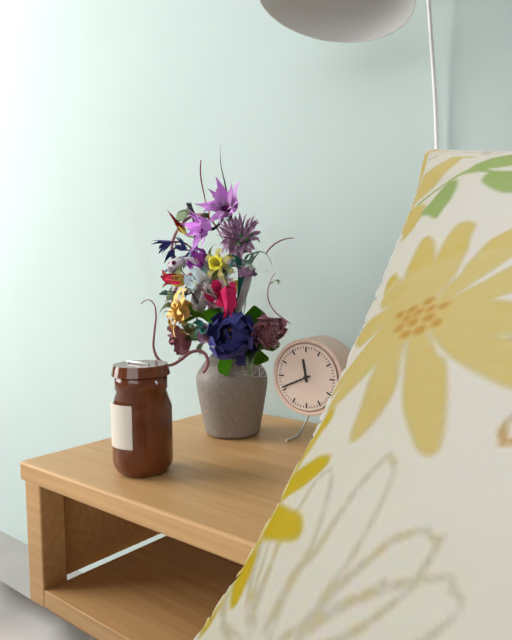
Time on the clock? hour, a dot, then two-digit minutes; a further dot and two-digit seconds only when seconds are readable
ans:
11.41
